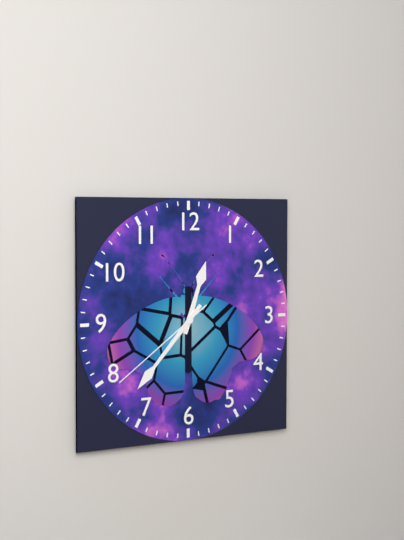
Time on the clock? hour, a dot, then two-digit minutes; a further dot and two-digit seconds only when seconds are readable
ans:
12.37.39
